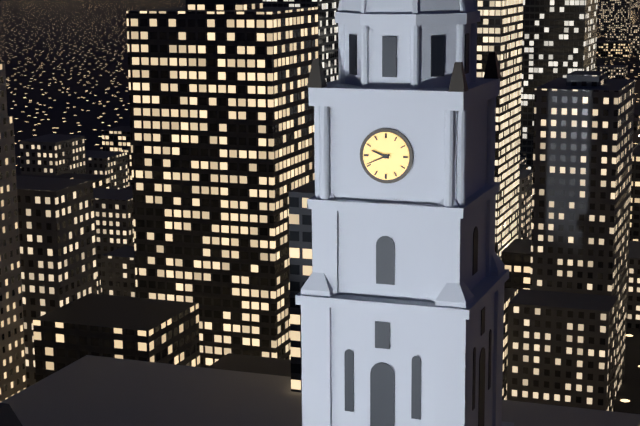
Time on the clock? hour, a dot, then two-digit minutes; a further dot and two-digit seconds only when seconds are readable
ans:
9.41
